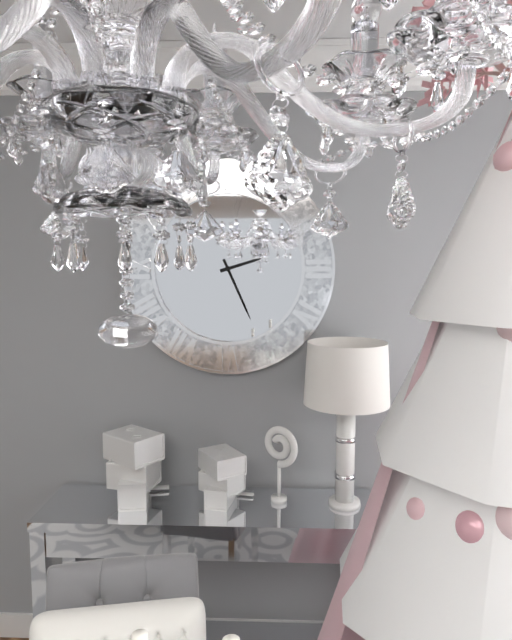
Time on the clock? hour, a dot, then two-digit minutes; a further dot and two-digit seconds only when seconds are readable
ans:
2.26
